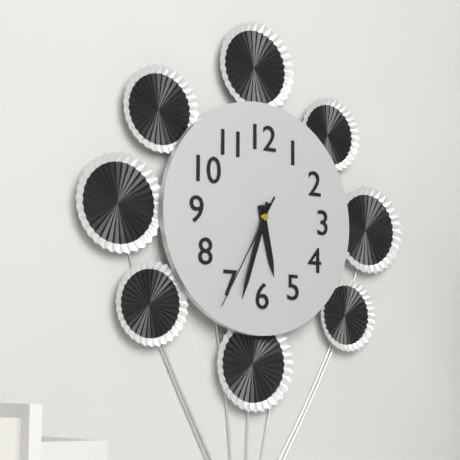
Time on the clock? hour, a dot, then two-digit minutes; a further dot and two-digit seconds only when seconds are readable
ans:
5.33.35
